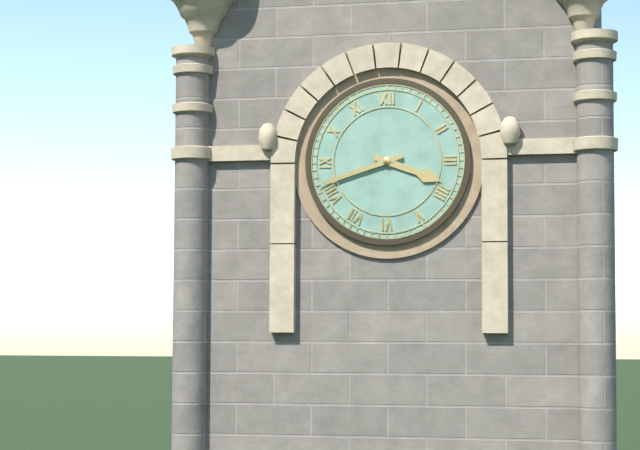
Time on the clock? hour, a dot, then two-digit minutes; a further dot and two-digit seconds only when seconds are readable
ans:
3.42
